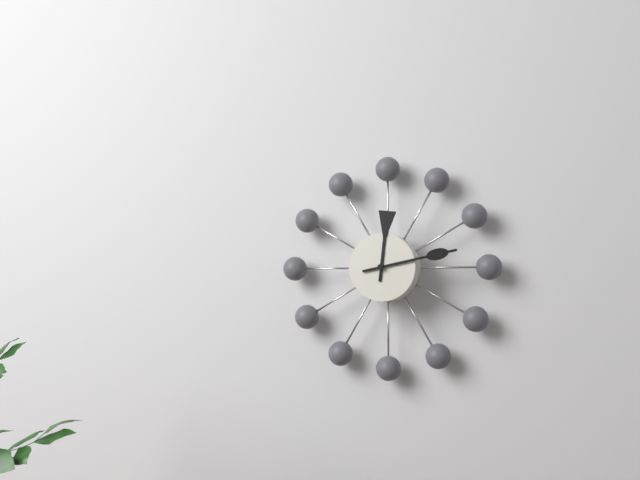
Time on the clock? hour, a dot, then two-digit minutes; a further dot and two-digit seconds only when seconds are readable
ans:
12.13
